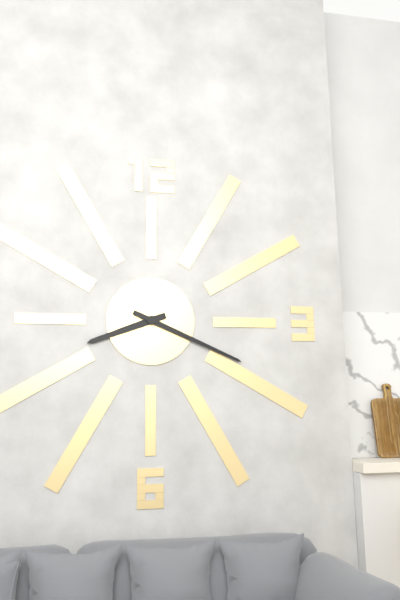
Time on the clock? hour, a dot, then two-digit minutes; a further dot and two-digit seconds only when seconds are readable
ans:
8.19
